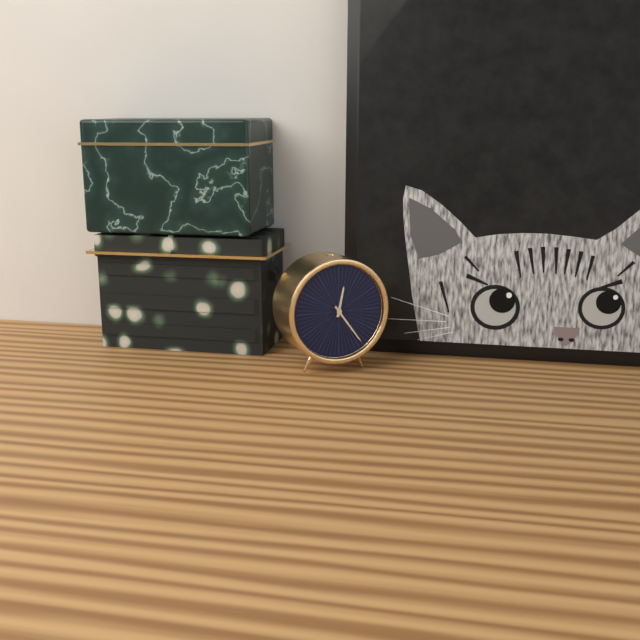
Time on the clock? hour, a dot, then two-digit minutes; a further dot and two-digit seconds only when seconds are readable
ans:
12.24
